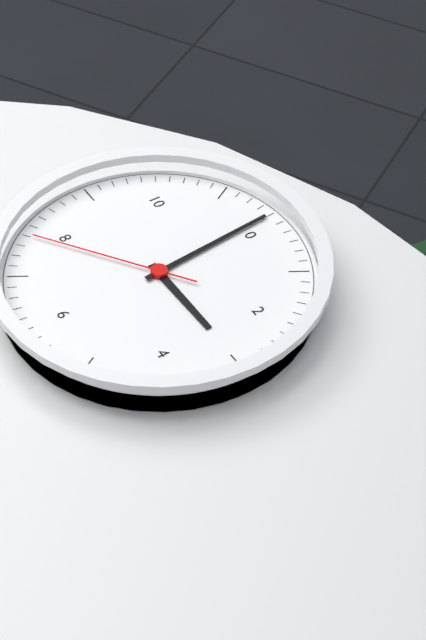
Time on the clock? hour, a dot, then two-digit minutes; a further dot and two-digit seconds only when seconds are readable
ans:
2.59.39
